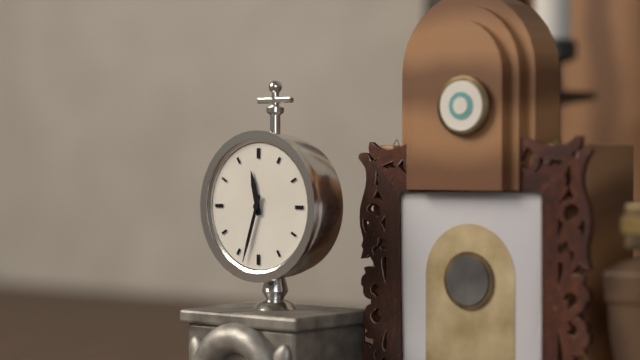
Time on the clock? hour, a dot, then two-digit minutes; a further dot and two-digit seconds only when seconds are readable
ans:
11.33
